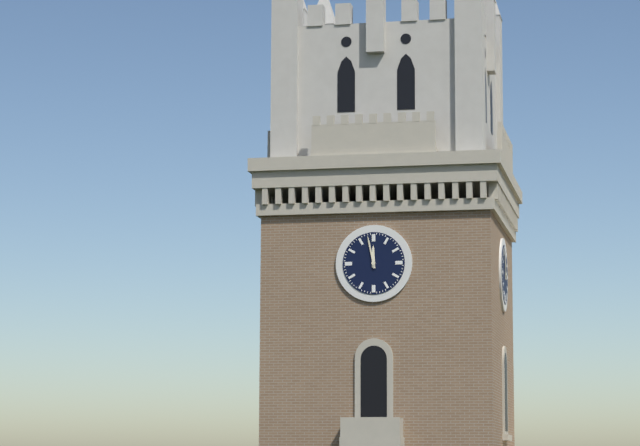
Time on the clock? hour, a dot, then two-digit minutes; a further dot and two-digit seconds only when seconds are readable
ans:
11.58
